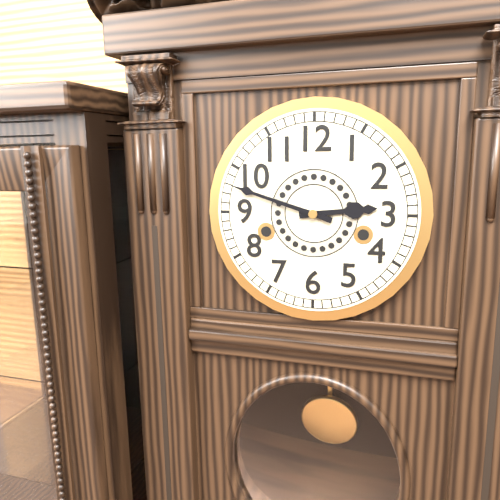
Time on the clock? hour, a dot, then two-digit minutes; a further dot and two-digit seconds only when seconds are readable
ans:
2.48
